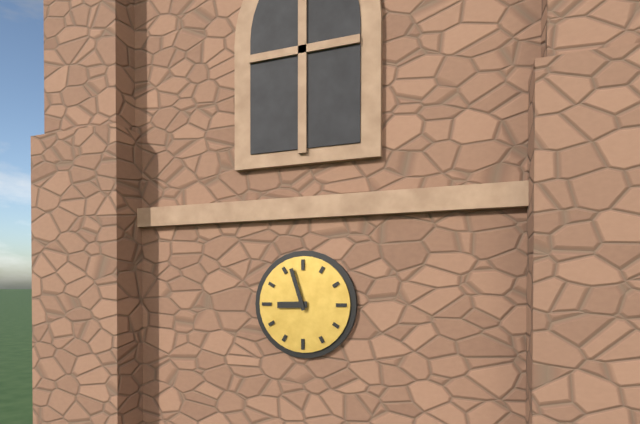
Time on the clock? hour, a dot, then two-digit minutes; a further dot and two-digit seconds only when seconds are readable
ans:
8.57
